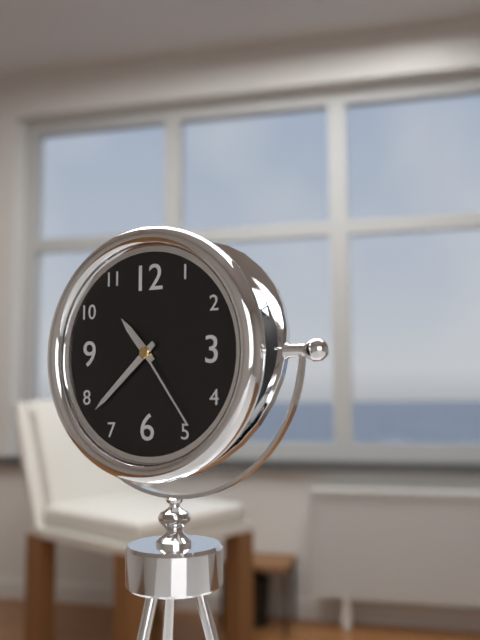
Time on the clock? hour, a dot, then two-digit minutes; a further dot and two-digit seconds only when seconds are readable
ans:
10.38.24
